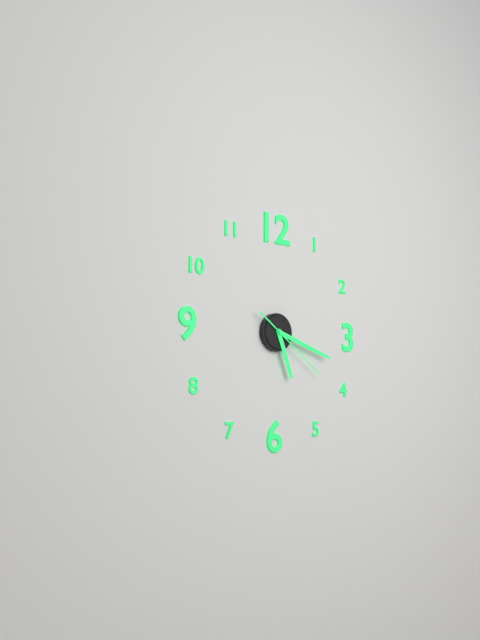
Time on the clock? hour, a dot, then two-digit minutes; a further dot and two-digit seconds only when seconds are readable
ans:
5.18.21
